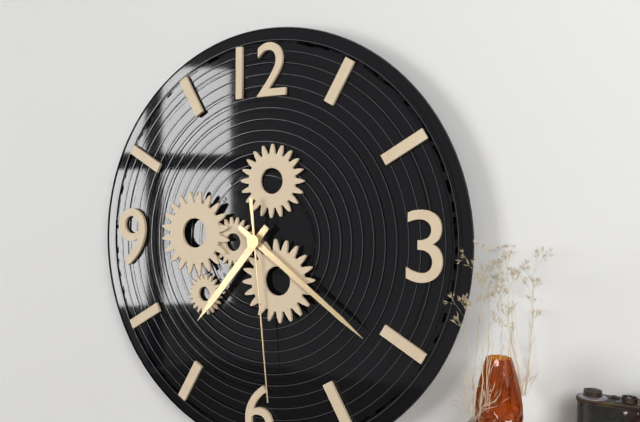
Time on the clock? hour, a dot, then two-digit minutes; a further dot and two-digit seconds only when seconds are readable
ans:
7.21.29
